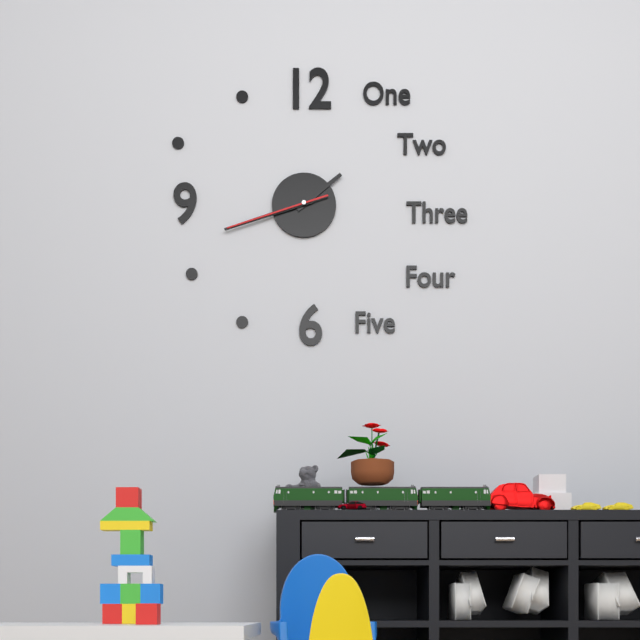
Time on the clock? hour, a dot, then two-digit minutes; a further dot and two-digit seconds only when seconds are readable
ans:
1.42.42
